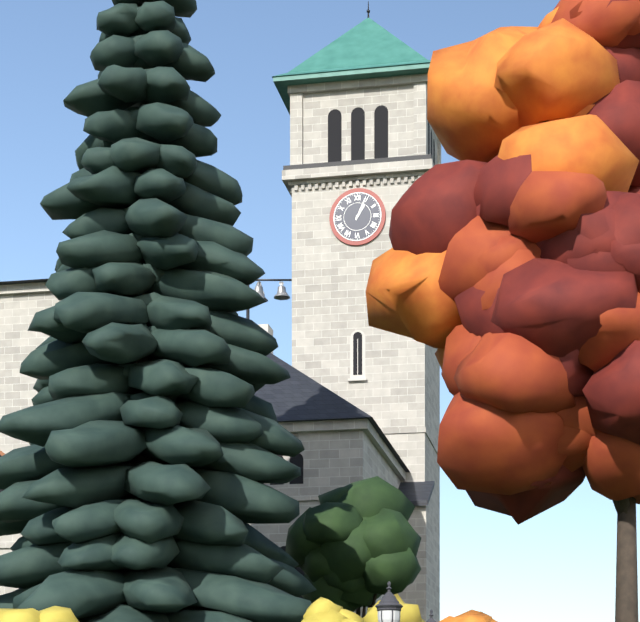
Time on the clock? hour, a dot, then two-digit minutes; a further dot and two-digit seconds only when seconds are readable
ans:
1.04
